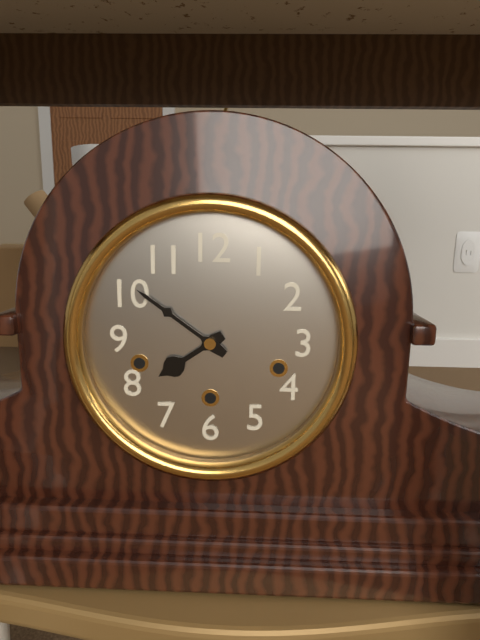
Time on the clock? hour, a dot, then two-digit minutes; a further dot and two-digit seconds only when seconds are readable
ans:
7.51
